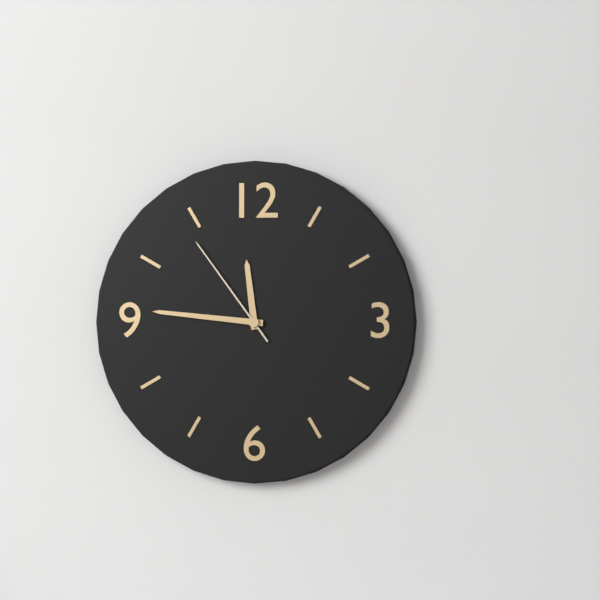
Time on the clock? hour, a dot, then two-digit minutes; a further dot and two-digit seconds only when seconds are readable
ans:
11.46.54
